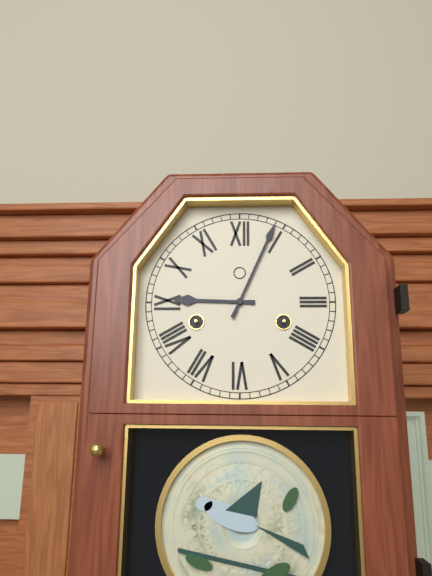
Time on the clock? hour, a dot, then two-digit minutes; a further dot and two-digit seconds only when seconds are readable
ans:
9.04
